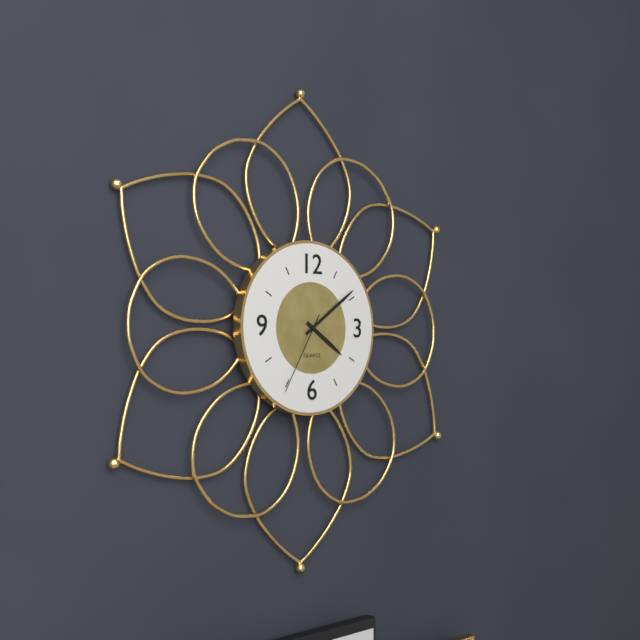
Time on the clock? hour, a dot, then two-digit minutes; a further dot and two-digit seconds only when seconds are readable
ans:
4.09.35
